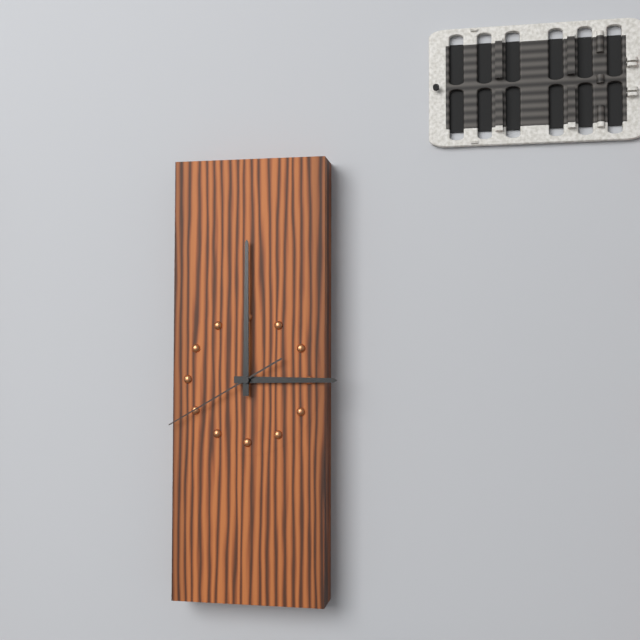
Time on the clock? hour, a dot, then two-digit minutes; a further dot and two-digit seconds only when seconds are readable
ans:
3.00.40
